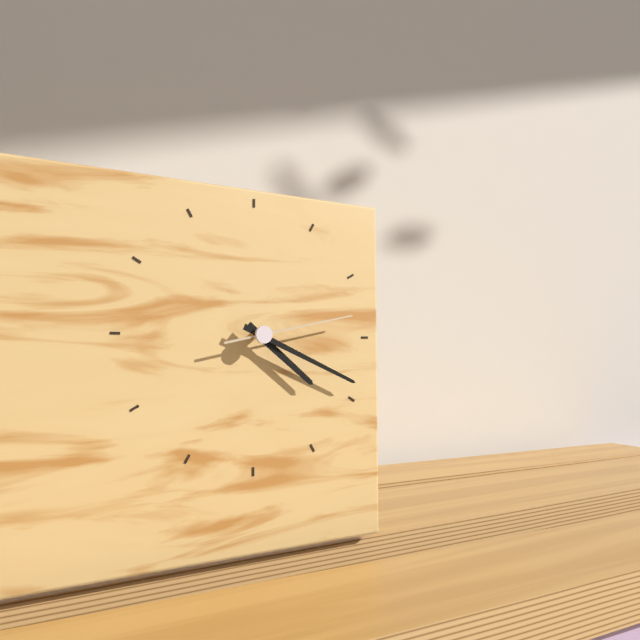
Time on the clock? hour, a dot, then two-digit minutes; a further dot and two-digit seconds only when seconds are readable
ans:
4.19.13
